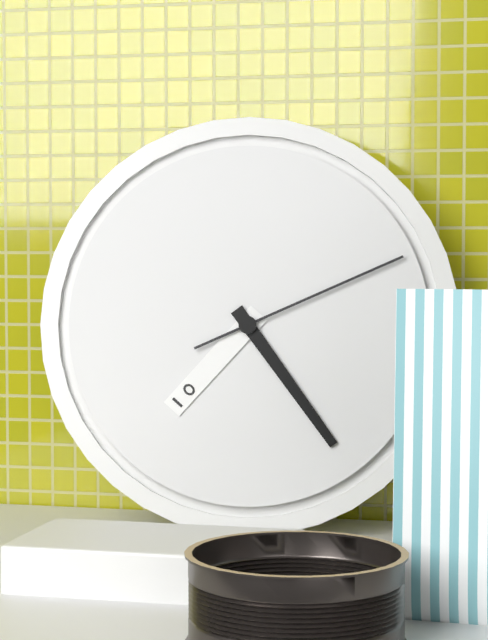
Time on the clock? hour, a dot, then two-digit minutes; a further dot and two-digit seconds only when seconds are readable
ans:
7.24.11
